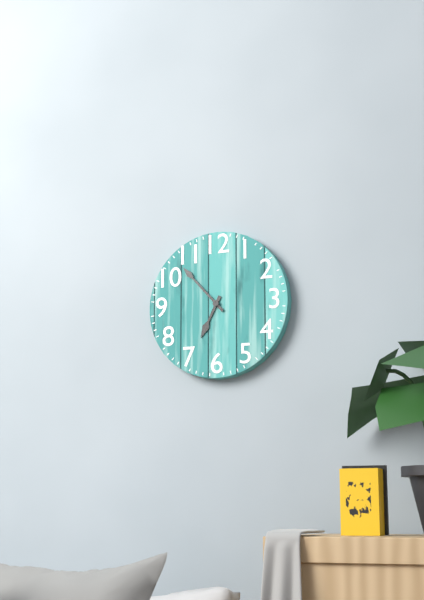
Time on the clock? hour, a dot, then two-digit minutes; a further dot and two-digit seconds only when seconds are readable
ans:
6.53
